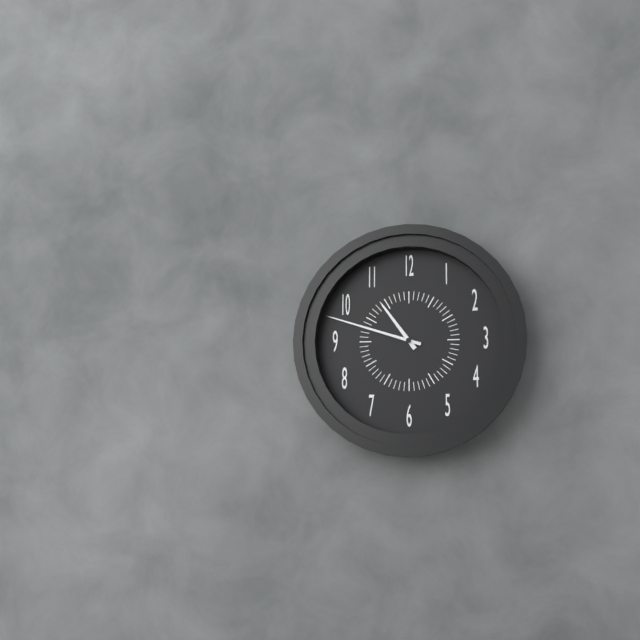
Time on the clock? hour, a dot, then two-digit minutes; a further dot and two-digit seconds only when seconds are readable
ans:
10.48
